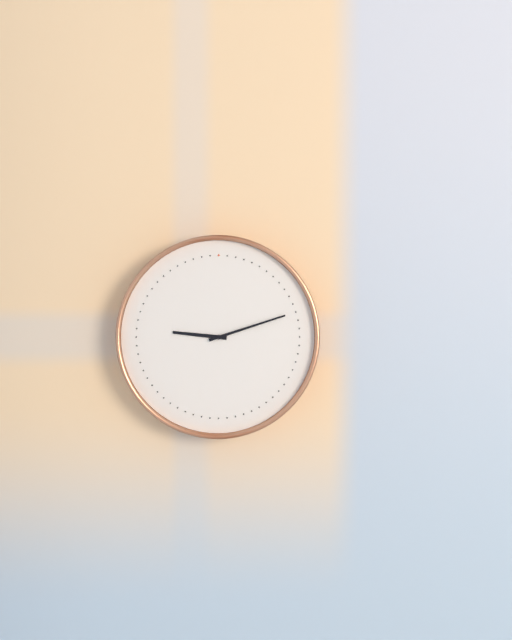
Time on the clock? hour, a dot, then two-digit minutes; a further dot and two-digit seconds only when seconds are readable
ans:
9.12
